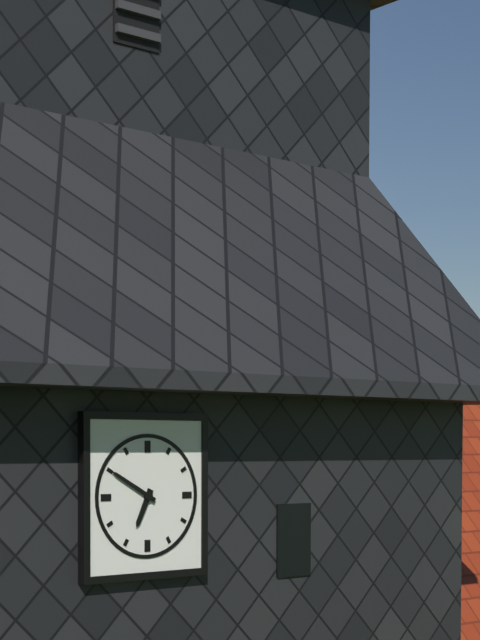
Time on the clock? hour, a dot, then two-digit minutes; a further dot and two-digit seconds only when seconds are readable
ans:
6.50
